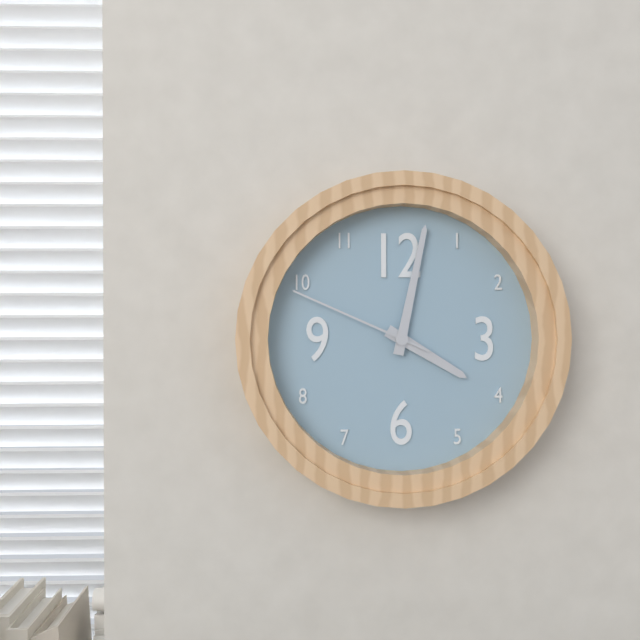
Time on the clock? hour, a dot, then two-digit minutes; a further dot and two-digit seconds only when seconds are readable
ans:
4.02.49
